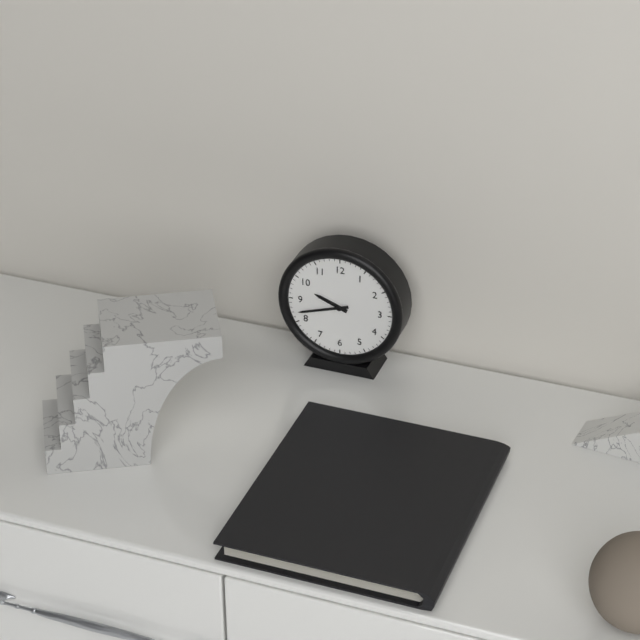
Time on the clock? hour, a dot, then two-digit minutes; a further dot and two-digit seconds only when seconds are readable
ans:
9.42
